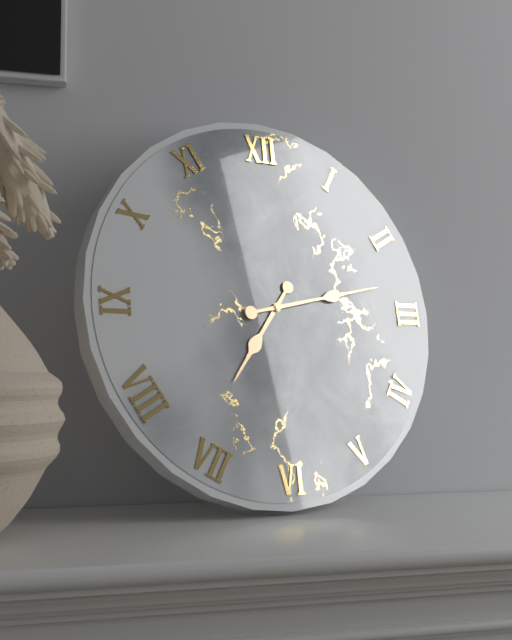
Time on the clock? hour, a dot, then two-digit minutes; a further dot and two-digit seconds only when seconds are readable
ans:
7.13
